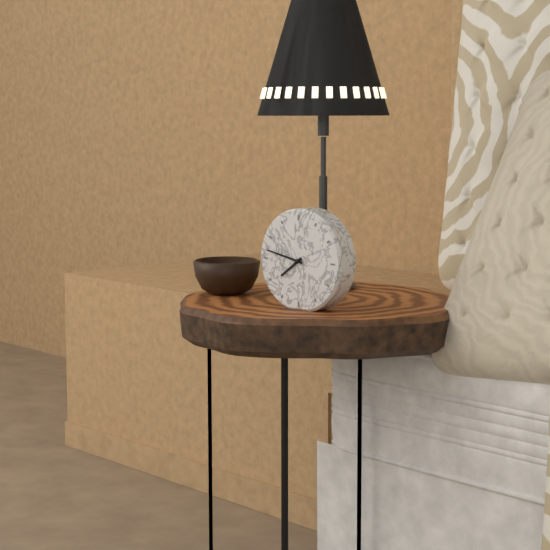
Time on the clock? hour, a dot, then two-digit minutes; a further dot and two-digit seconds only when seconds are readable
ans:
7.47
